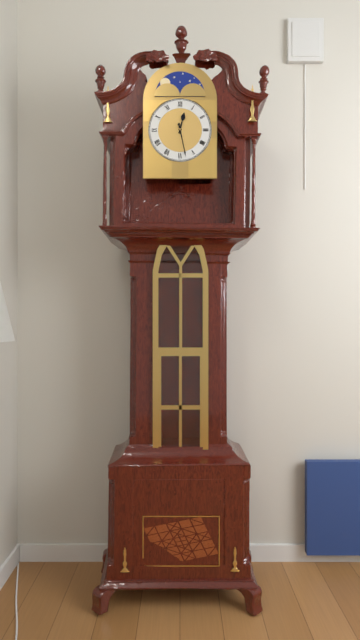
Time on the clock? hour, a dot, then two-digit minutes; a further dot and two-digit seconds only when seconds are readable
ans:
12.28
